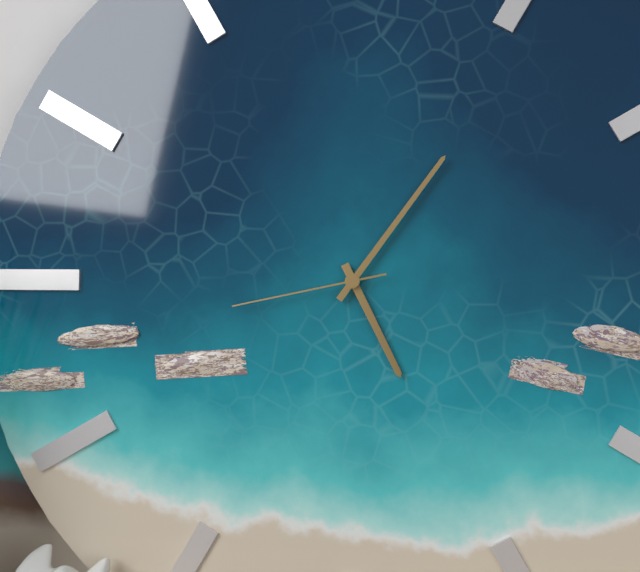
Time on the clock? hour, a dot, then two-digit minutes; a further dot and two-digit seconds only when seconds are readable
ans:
5.06.43
